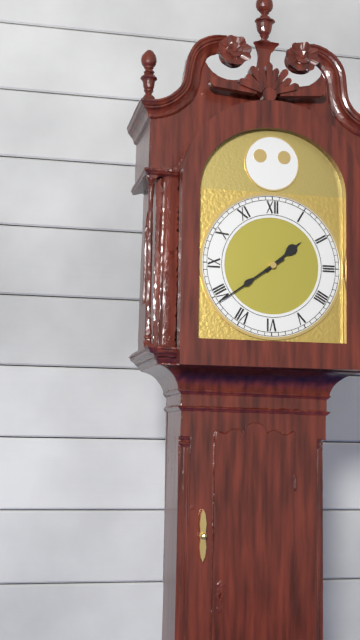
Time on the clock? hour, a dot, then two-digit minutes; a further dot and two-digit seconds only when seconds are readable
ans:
1.39
